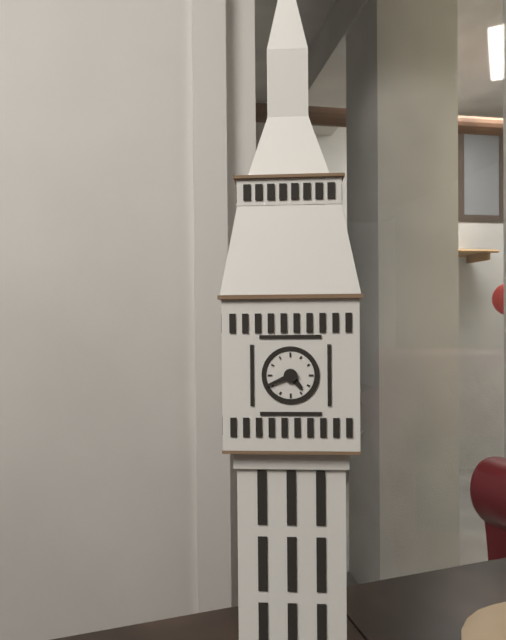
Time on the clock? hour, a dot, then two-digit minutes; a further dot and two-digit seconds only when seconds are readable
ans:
4.41
